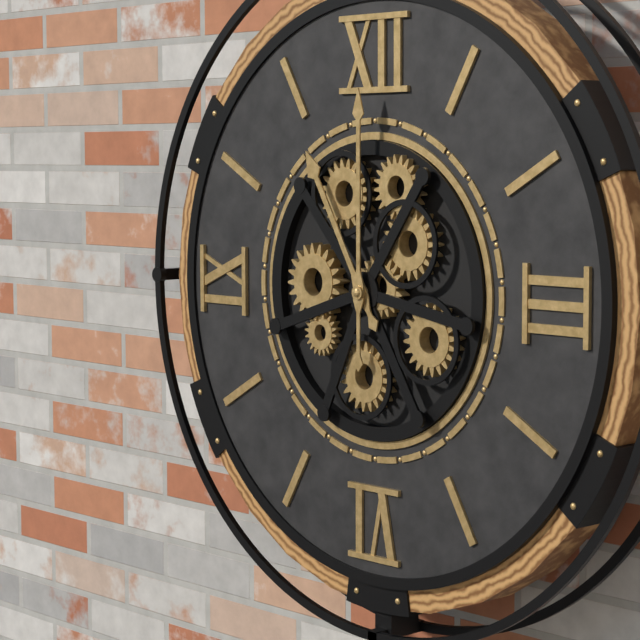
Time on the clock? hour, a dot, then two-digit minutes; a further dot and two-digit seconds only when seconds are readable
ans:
11.00
